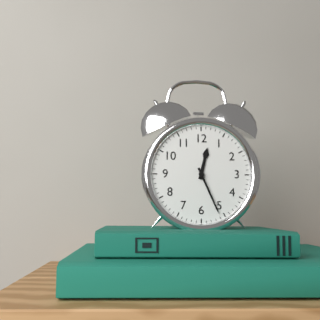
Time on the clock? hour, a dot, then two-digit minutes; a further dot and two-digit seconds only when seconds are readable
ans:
12.26
